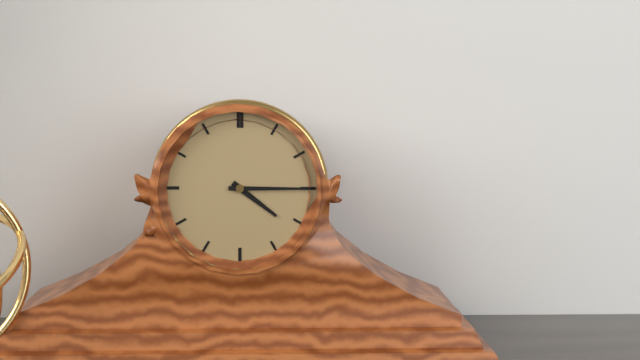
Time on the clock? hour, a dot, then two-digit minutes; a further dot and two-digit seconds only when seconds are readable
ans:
4.15
